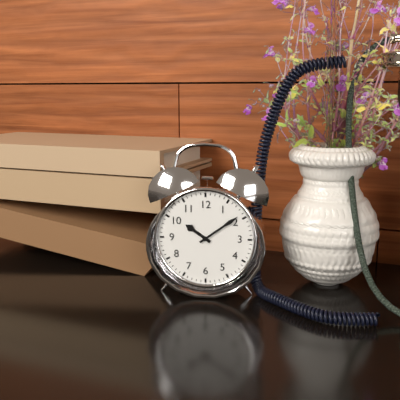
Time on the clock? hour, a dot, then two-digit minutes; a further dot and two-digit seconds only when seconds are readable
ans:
10.09
